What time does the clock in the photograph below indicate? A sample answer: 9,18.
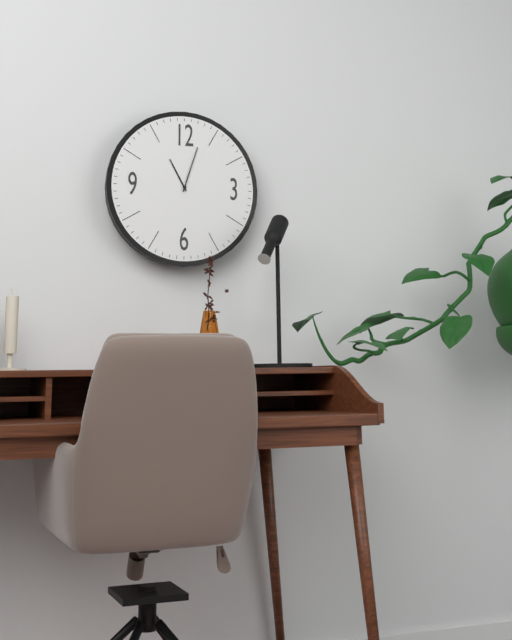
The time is 11,03
